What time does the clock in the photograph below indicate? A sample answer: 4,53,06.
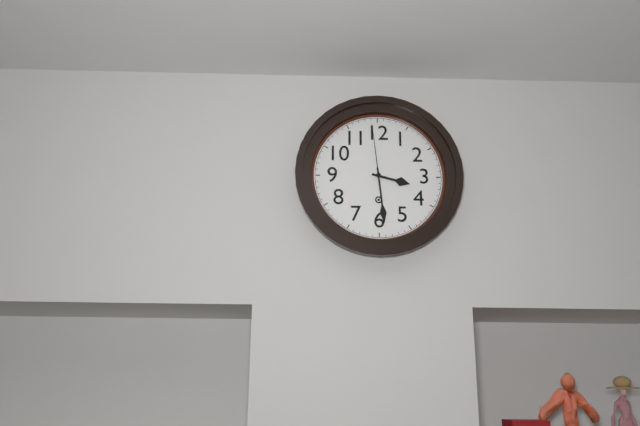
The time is 3,29,59
